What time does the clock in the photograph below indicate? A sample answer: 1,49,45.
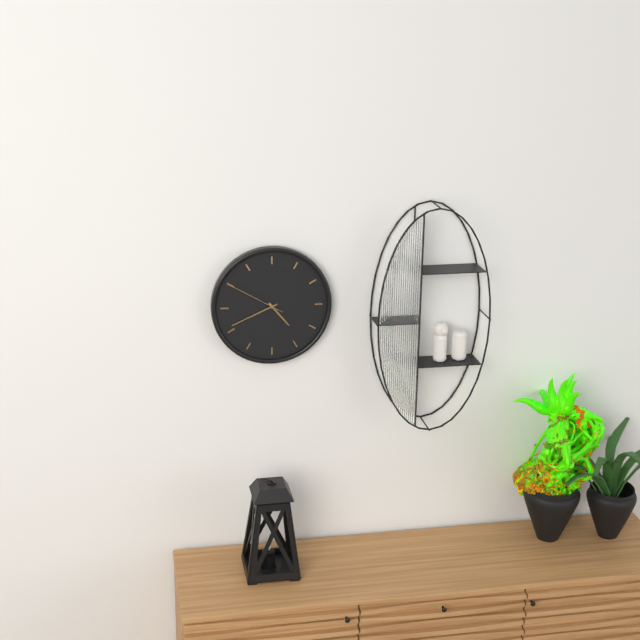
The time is 4,41,50
